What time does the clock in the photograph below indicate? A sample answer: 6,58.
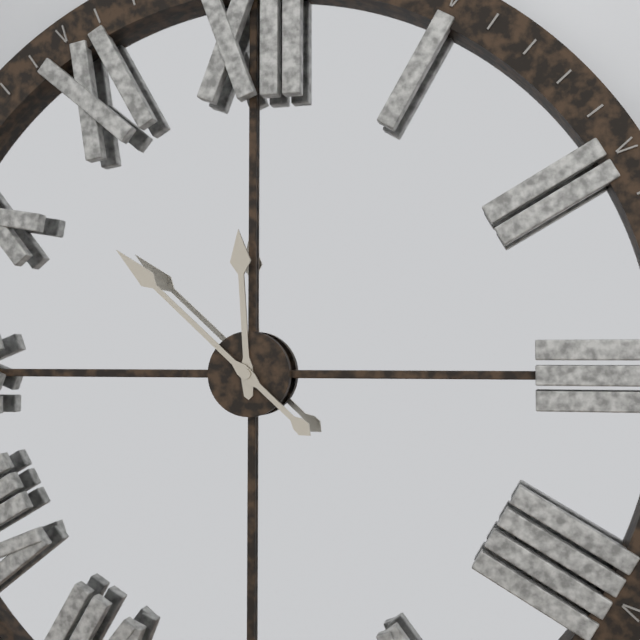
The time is 11,52
